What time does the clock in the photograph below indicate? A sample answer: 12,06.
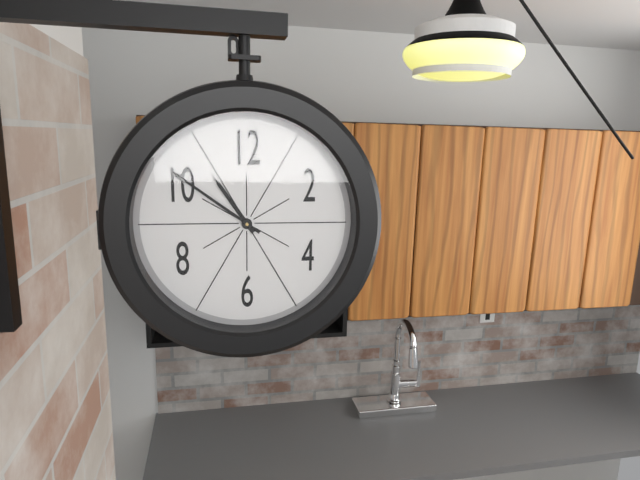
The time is 10,51
